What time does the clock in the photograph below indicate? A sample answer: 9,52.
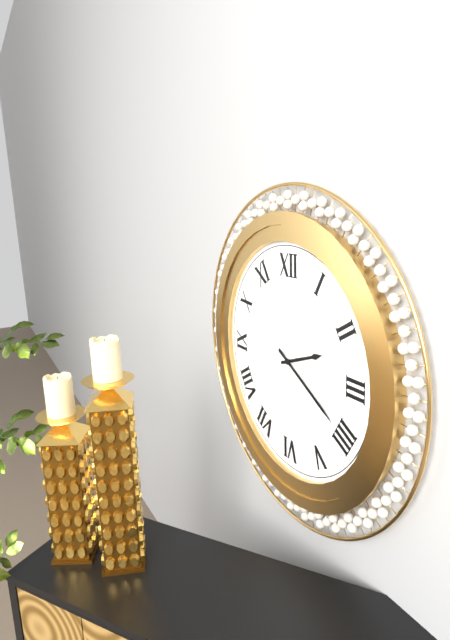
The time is 2,20
